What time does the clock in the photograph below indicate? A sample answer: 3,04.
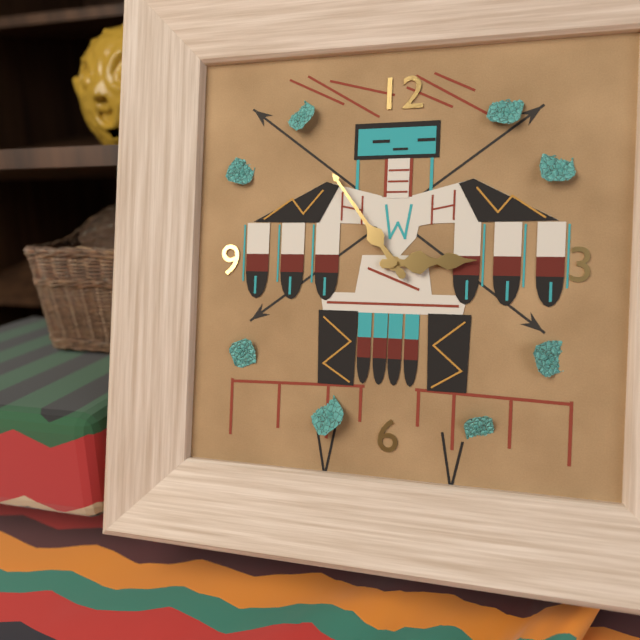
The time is 2,54
